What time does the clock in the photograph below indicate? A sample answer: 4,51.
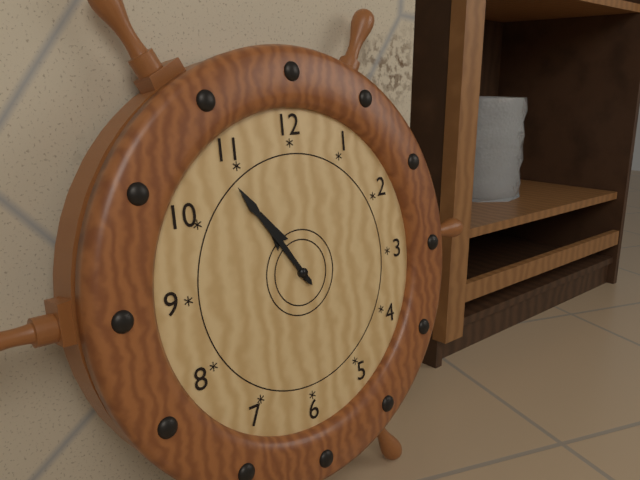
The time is 10,54
